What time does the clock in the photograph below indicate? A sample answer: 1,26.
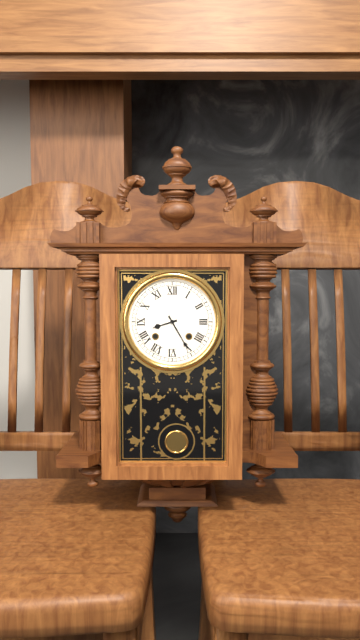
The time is 8,25
